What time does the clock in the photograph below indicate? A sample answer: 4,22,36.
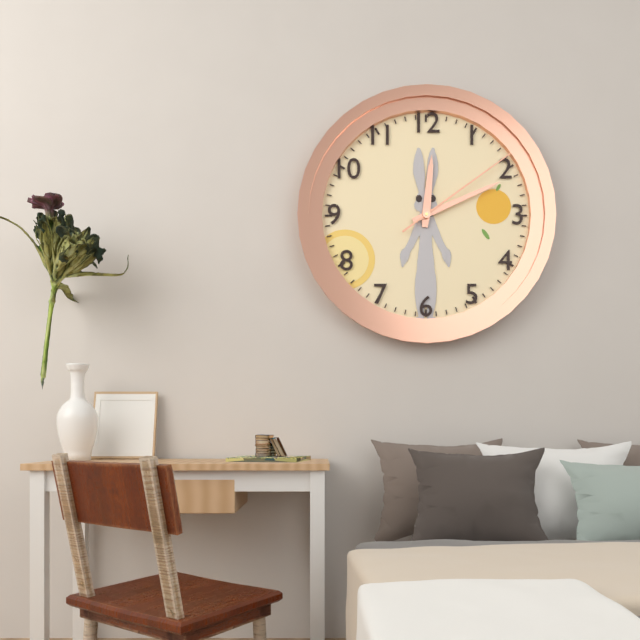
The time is 12,11,09
